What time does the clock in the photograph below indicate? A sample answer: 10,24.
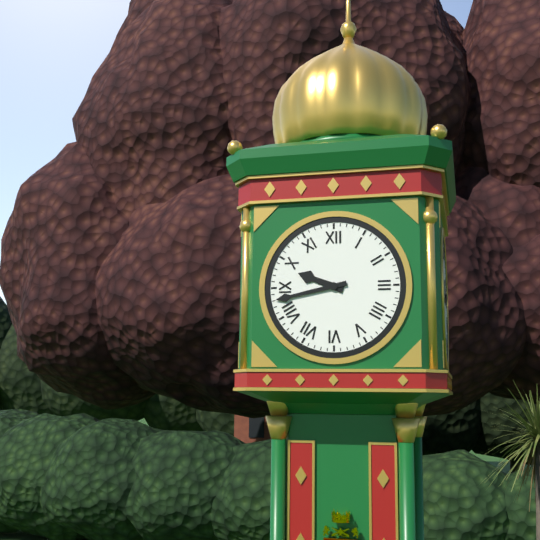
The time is 9,43
